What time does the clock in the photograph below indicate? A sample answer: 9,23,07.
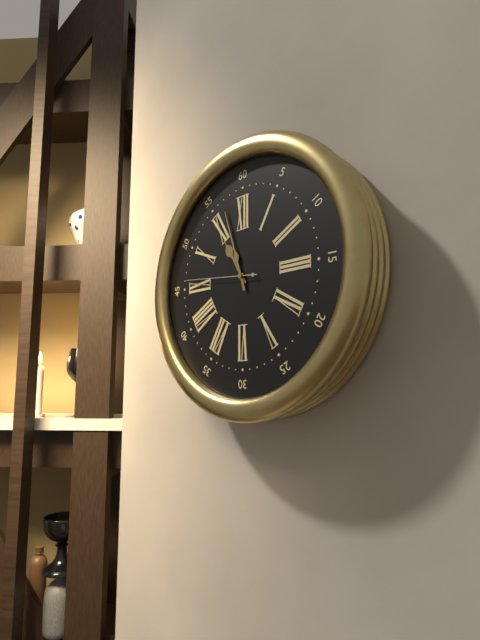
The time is 10,57,46
